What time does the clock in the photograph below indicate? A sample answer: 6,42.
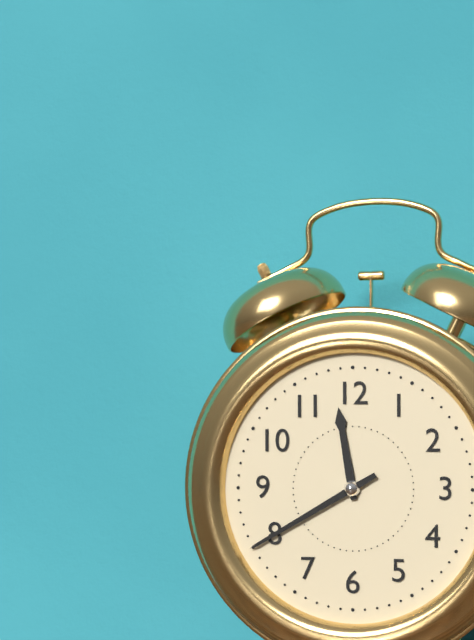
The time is 11,40
